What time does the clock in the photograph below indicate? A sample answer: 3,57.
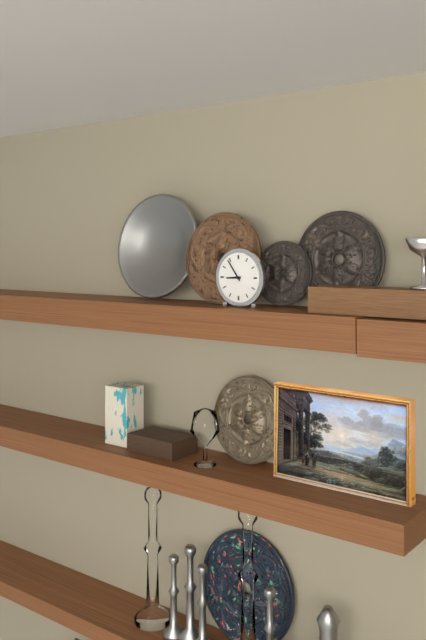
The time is 8,54
